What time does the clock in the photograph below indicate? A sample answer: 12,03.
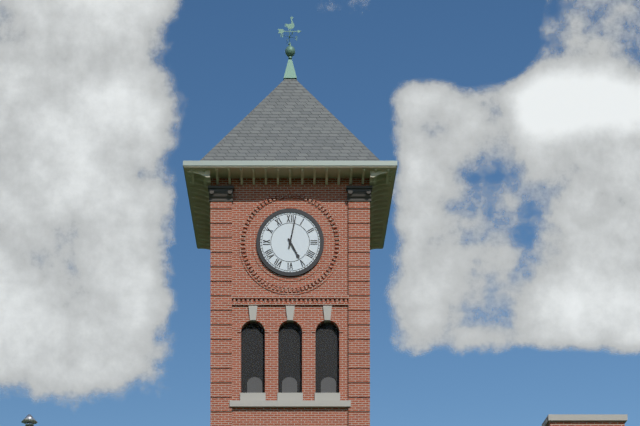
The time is 5,02
